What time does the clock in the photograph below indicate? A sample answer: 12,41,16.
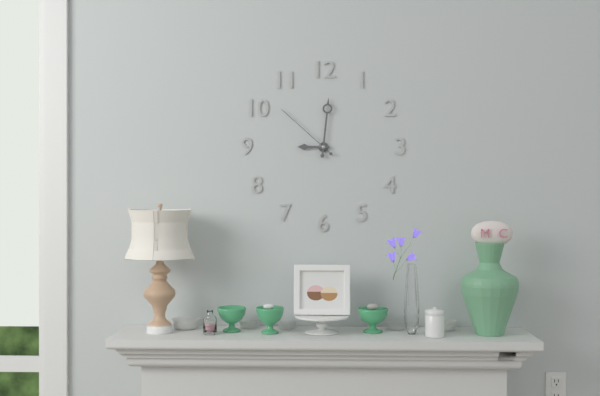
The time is 9,01,52
